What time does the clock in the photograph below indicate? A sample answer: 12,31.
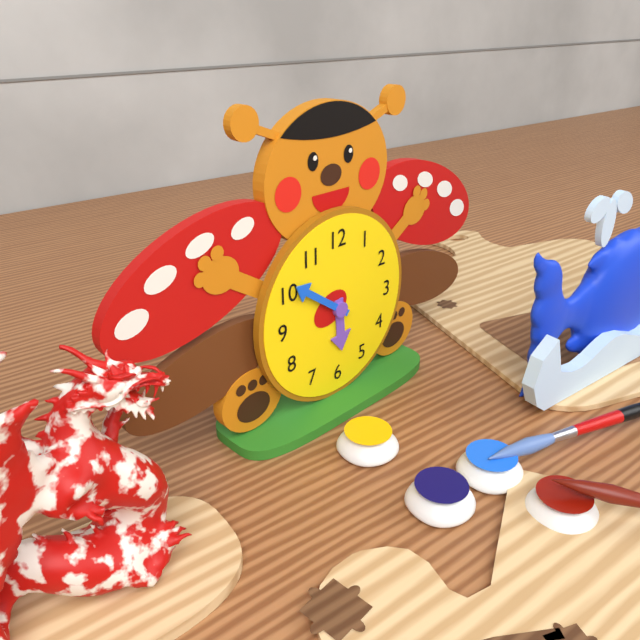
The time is 5,51
